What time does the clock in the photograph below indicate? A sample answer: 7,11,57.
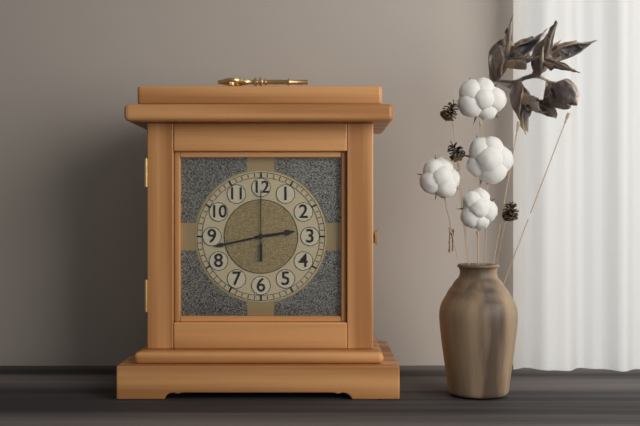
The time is 2,43,00
